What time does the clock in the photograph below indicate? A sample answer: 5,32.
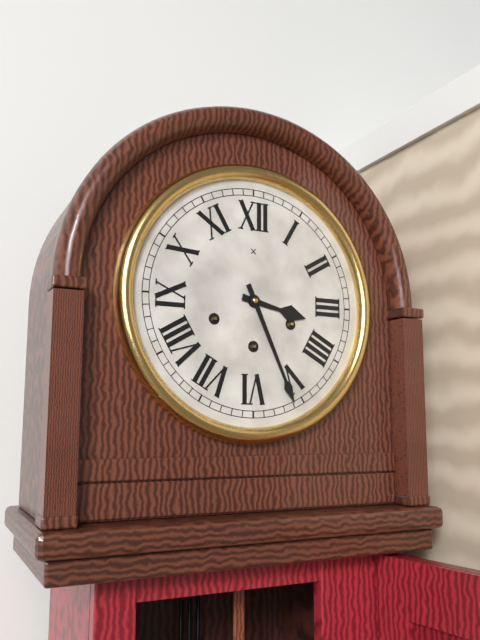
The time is 3,26
